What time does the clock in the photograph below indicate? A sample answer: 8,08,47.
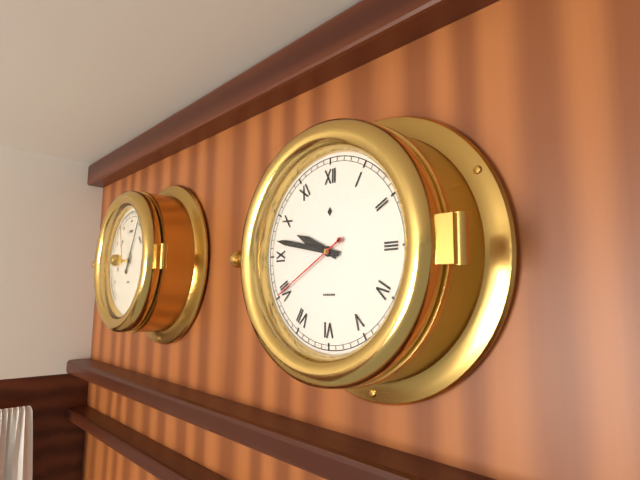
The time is 9,47,40
